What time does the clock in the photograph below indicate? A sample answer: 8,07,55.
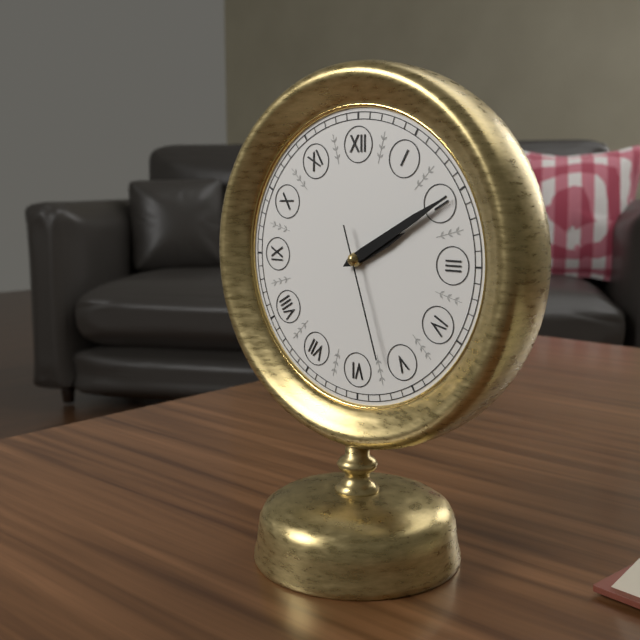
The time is 2,10,27
